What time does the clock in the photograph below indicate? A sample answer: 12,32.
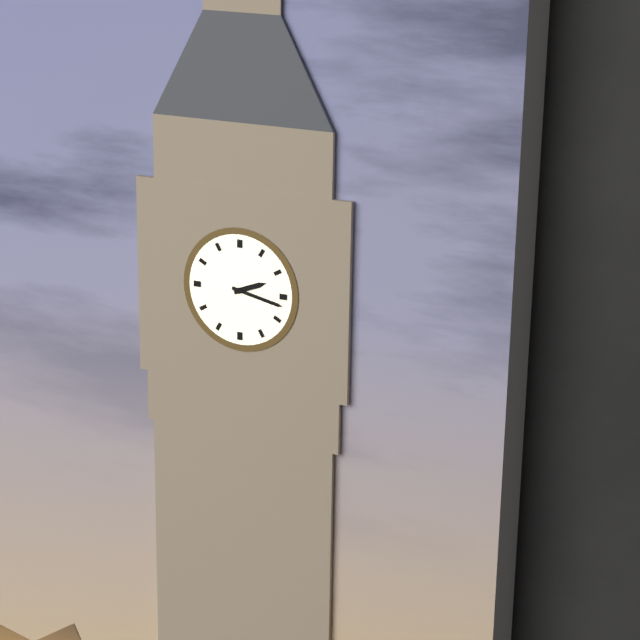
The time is 2,17
